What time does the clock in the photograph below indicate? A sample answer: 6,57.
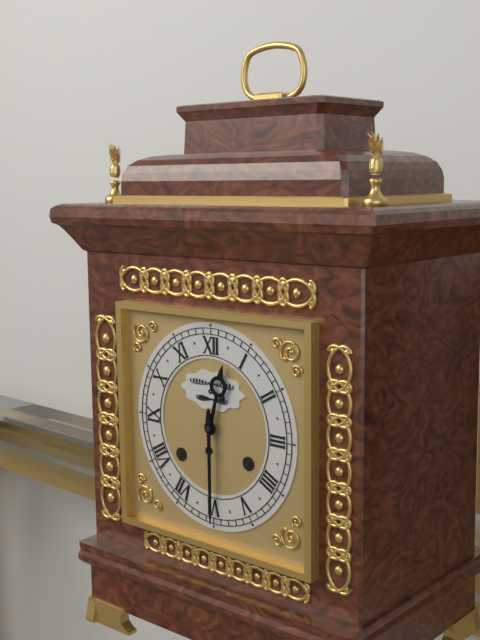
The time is 12,30
